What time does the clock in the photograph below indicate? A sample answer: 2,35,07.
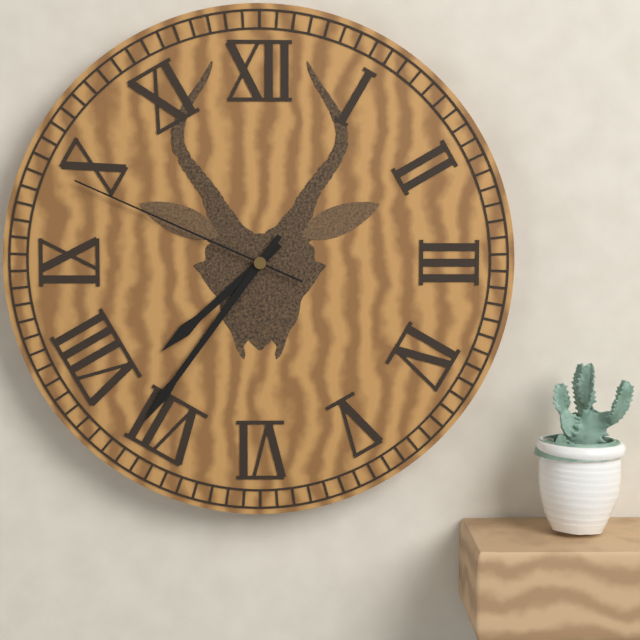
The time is 7,36,49
